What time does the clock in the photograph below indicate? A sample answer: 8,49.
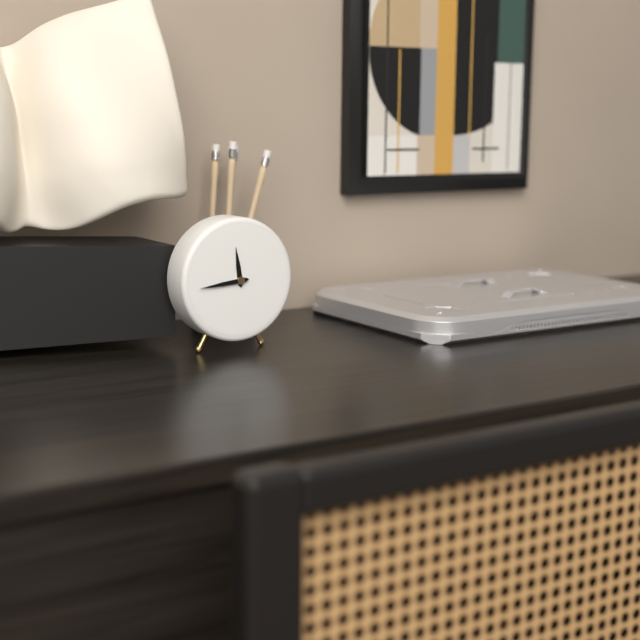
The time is 11,44
